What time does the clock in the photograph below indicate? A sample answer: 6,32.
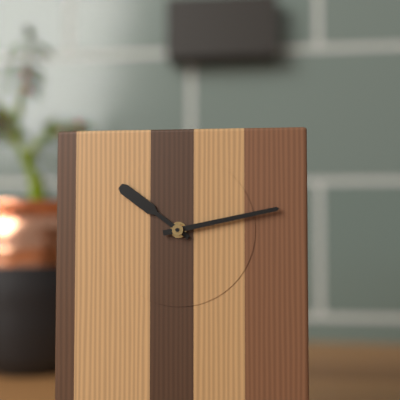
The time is 10,13
